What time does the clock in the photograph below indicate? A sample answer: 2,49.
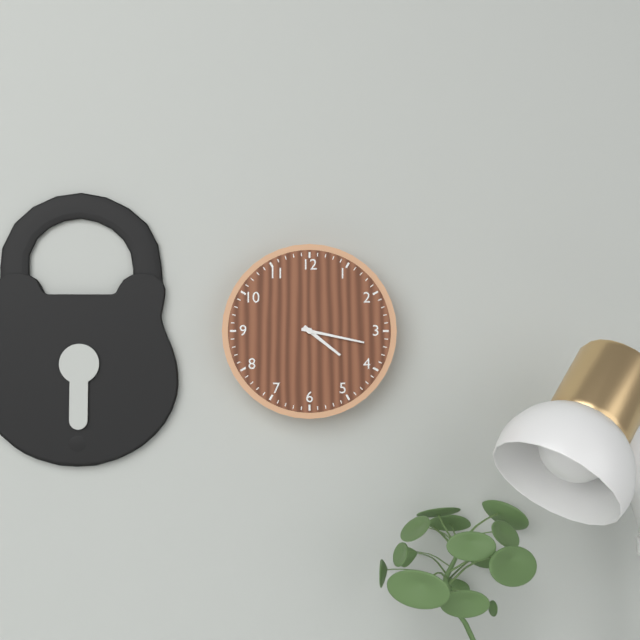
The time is 4,17
